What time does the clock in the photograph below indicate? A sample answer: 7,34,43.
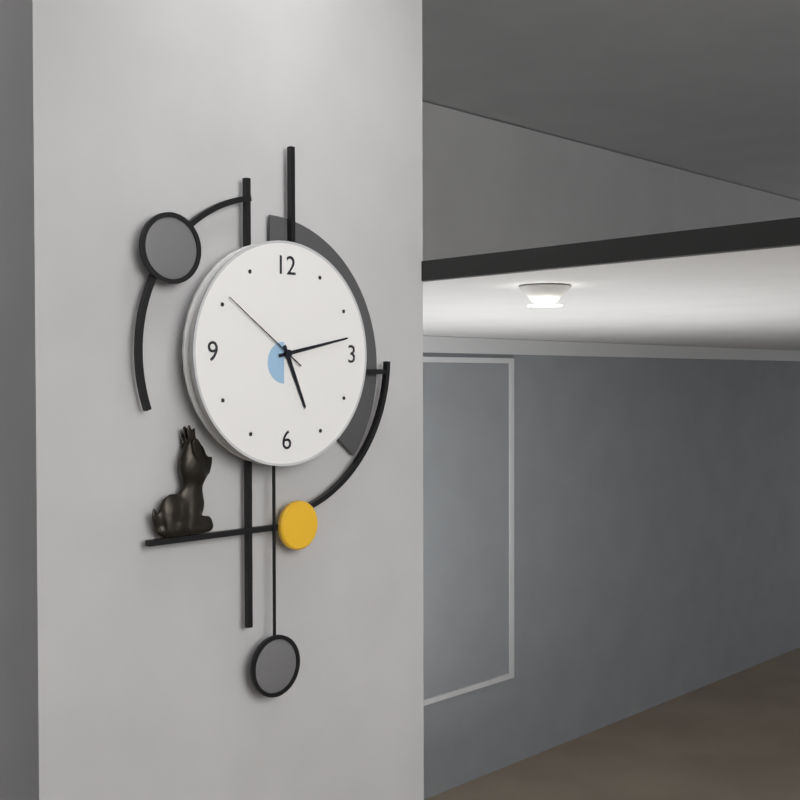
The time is 5,13,51
